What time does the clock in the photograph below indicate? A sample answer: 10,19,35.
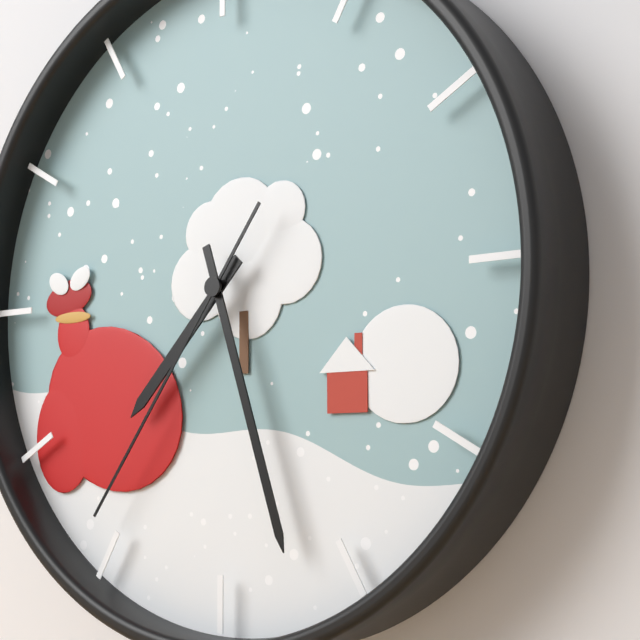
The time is 7,27,36
